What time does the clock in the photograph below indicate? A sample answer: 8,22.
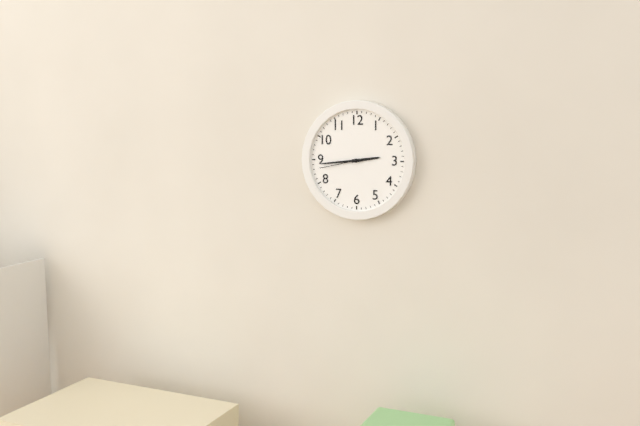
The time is 2,44
